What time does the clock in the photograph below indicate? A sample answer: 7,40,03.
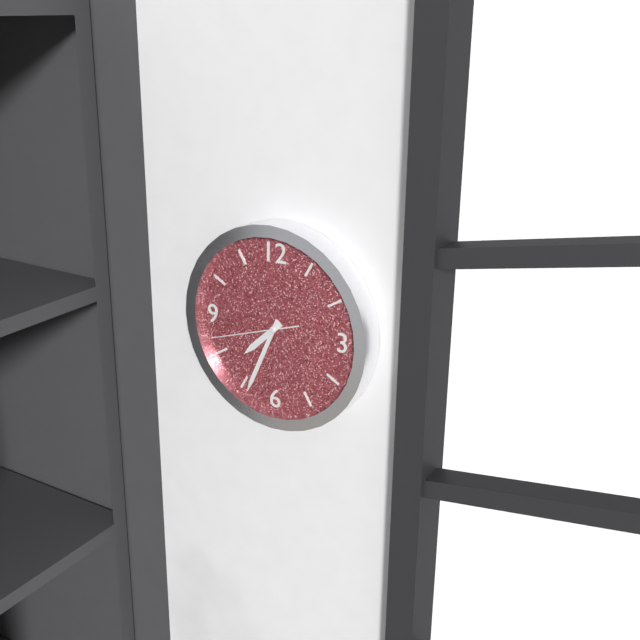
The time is 7,34,42
